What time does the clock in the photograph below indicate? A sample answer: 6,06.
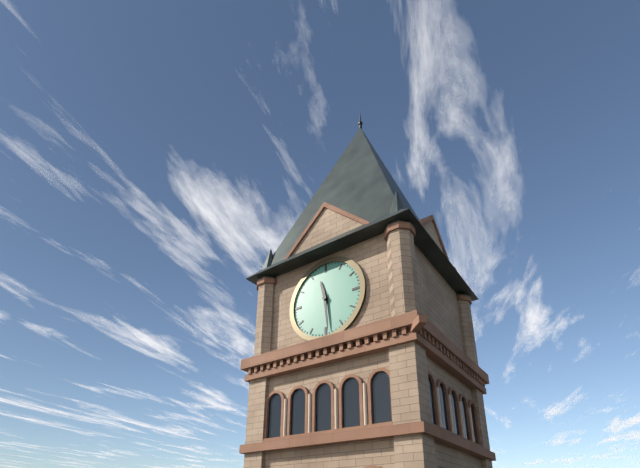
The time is 11,29
